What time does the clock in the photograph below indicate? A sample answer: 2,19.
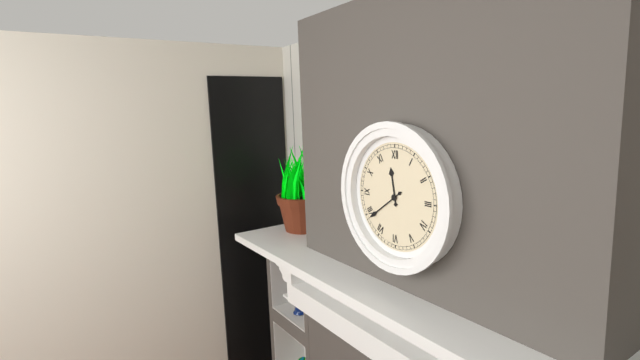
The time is 11,39
